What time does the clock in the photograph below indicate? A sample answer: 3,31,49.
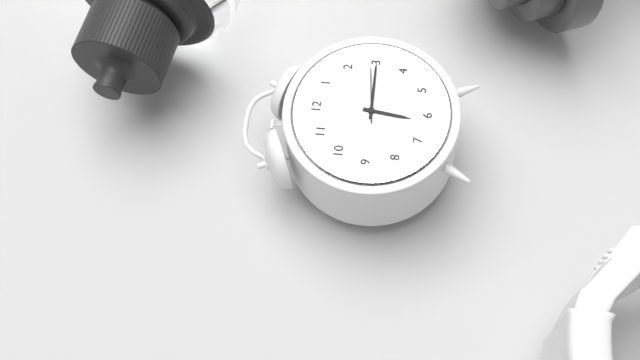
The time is 6,15,14
